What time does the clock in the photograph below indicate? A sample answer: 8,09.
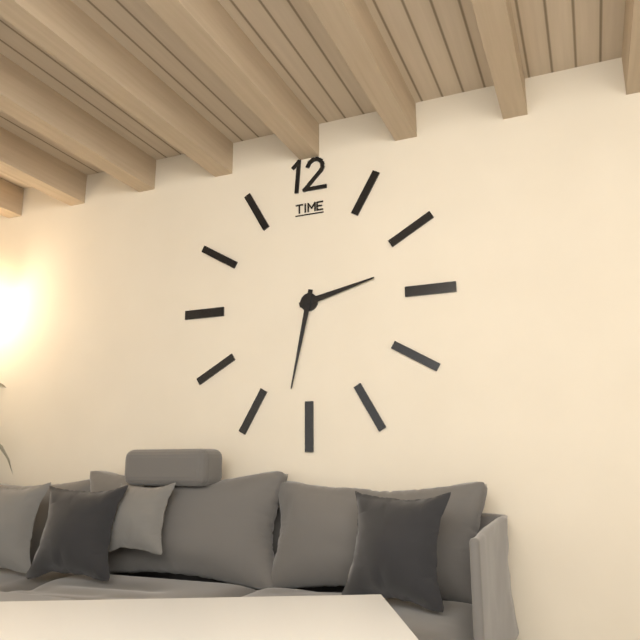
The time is 2,32
